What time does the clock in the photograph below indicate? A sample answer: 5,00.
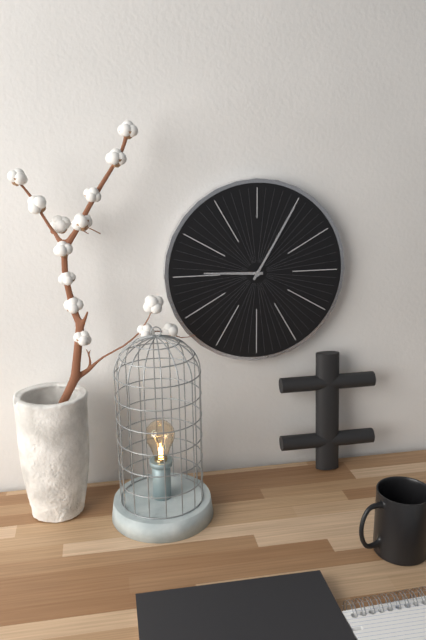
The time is 9,05
